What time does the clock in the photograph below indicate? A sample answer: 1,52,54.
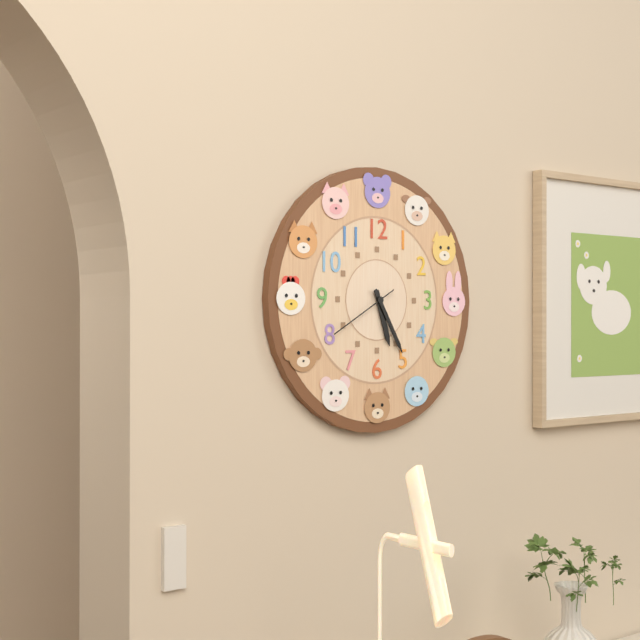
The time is 5,25,40
